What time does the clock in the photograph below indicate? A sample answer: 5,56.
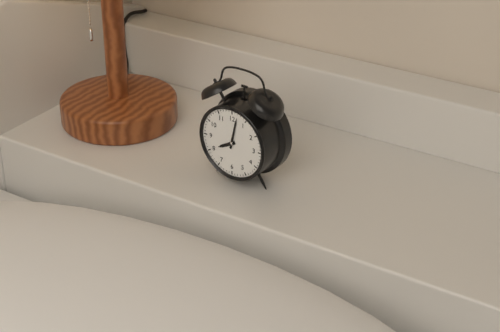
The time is 8,02
